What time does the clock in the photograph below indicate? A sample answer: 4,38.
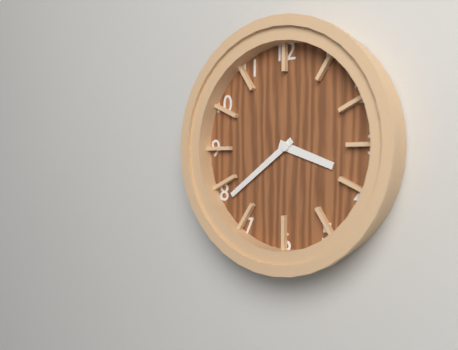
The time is 3,39
